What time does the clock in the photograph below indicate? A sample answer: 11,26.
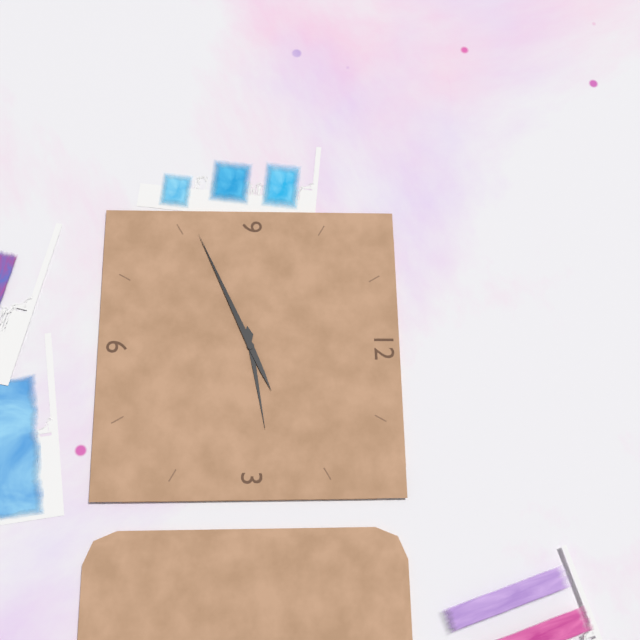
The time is 2,41
